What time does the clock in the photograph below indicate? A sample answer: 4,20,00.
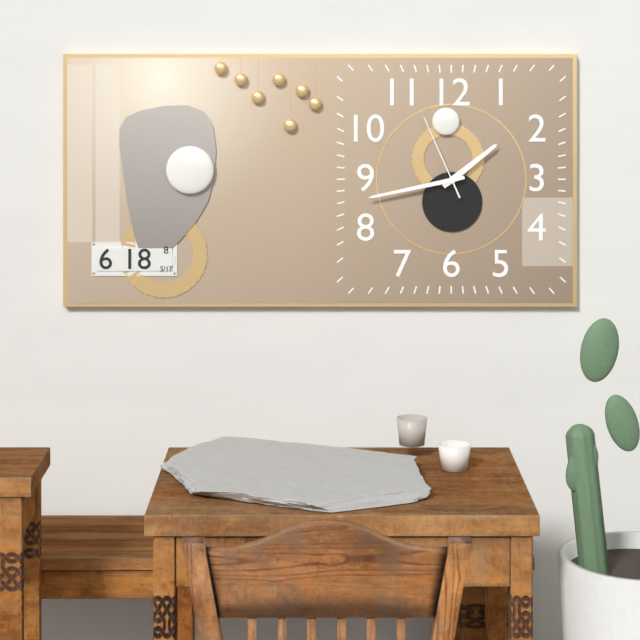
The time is 1,43,56
